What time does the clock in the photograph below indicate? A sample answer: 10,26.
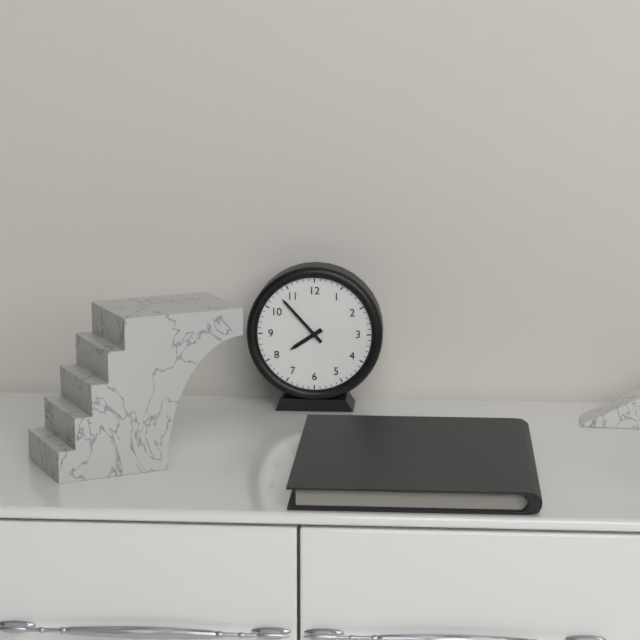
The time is 7,53
